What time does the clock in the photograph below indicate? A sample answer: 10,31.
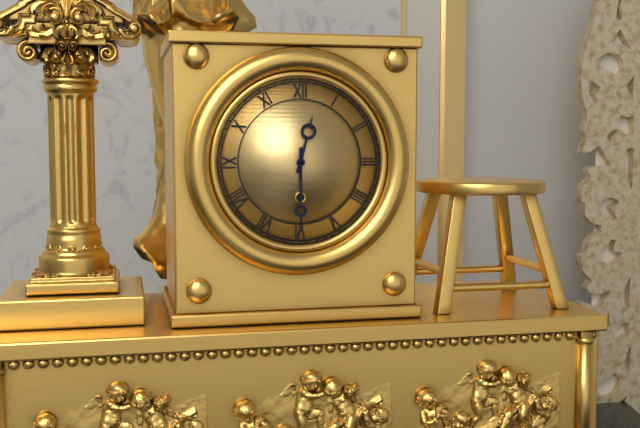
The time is 12,30
